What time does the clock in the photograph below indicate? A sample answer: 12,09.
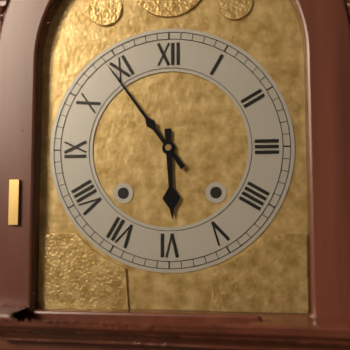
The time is 5,54
